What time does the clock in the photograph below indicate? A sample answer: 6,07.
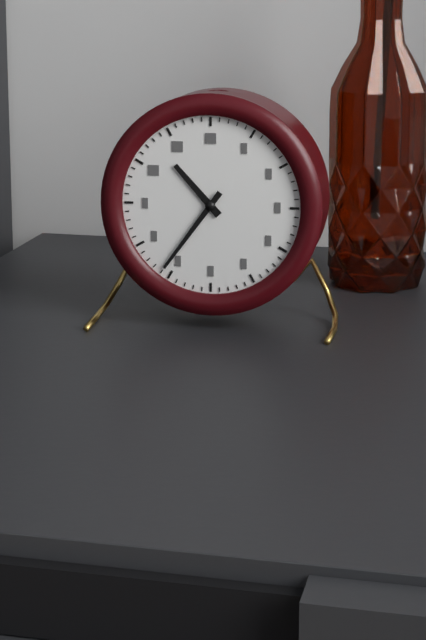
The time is 10,36
